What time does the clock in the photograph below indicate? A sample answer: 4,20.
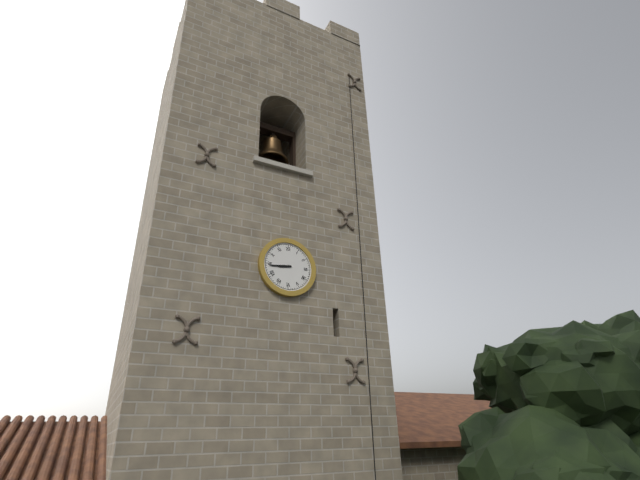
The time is 8,44
